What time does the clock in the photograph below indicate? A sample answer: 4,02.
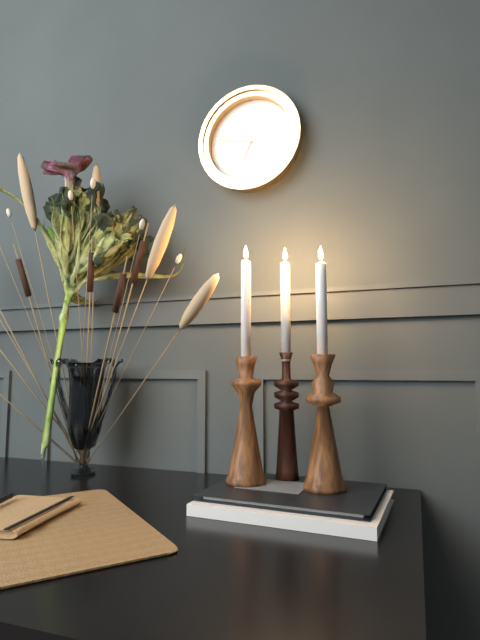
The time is 6,47
